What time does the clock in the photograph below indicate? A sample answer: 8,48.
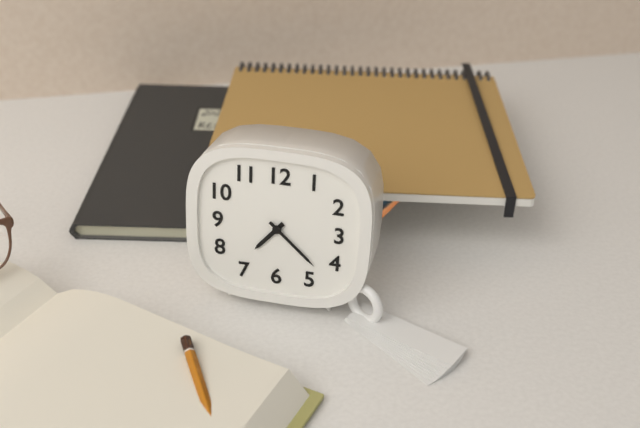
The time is 7,22
